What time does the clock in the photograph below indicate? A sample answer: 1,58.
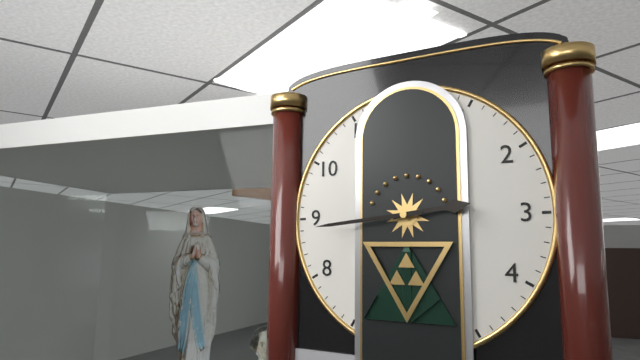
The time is 2,44
